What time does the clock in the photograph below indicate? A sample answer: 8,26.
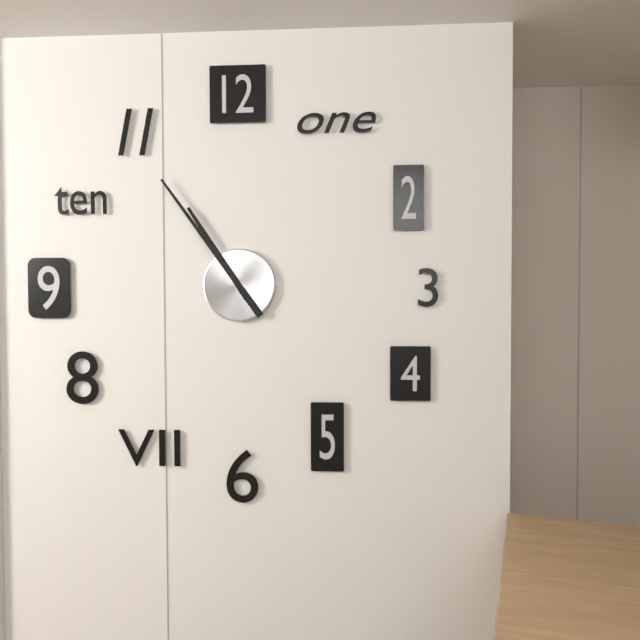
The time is 10,54
